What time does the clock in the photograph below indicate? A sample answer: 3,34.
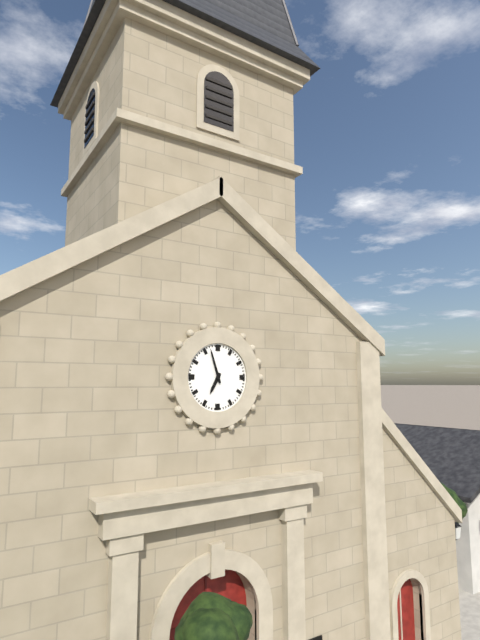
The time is 6,57
